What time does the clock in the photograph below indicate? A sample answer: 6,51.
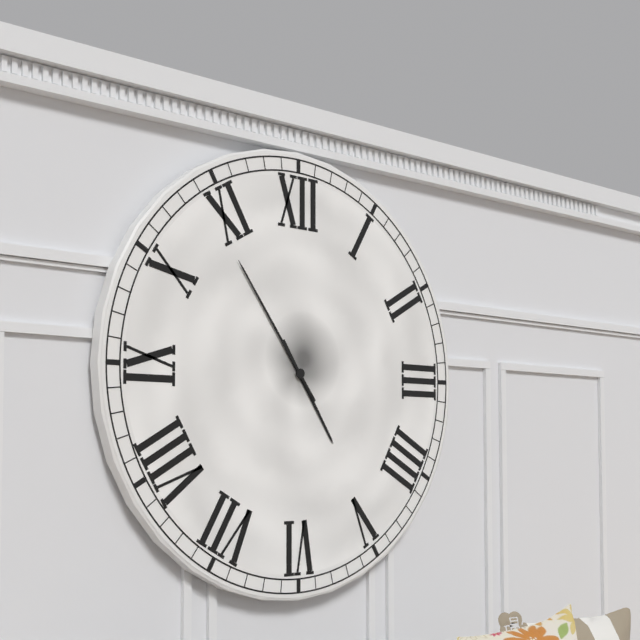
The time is 4,54
